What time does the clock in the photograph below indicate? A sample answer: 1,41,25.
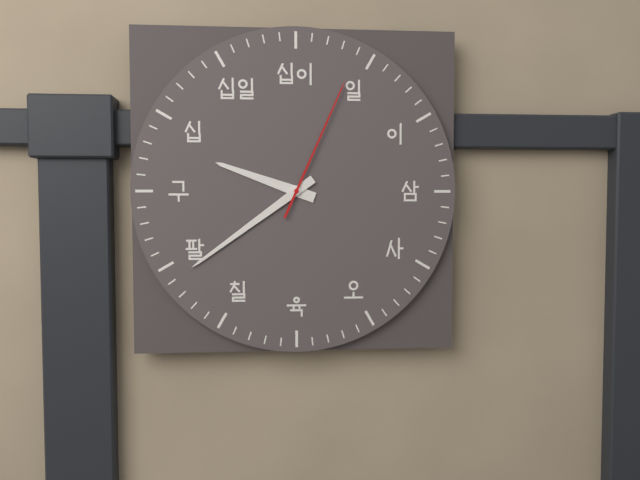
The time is 9,39,04
